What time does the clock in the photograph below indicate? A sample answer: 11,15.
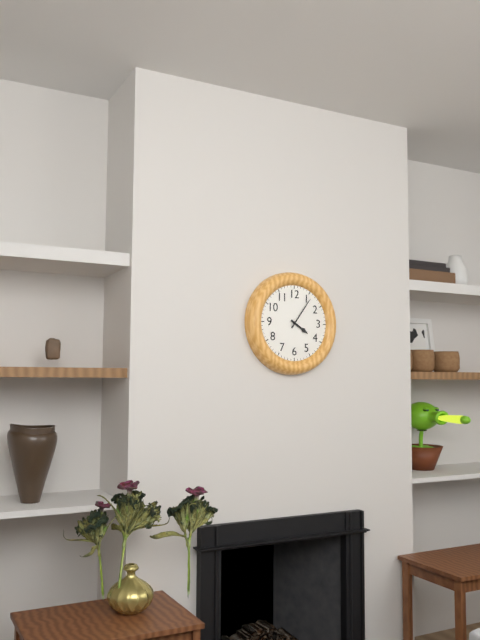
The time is 4,06
